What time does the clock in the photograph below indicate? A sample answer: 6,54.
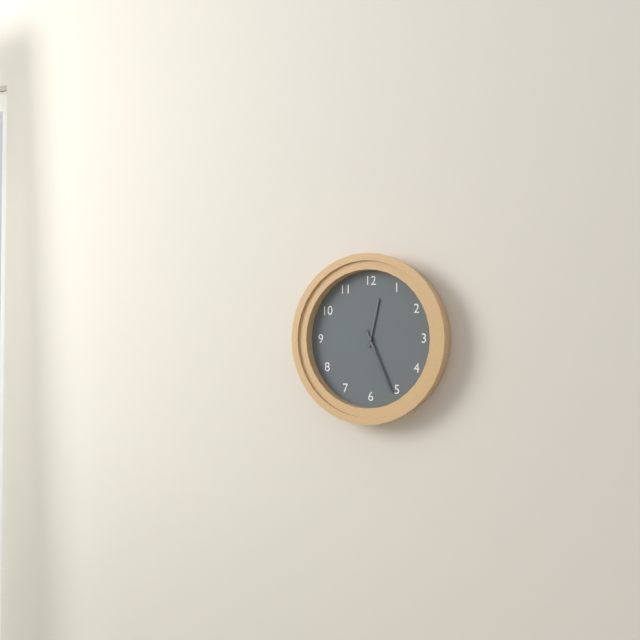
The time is 12,26
